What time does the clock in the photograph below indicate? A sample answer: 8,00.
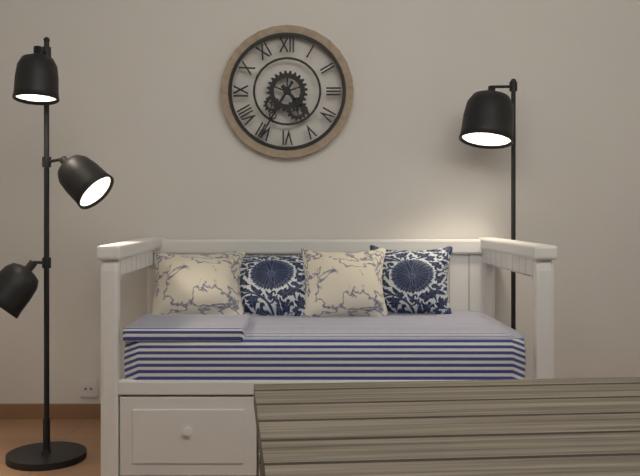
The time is 4,35
